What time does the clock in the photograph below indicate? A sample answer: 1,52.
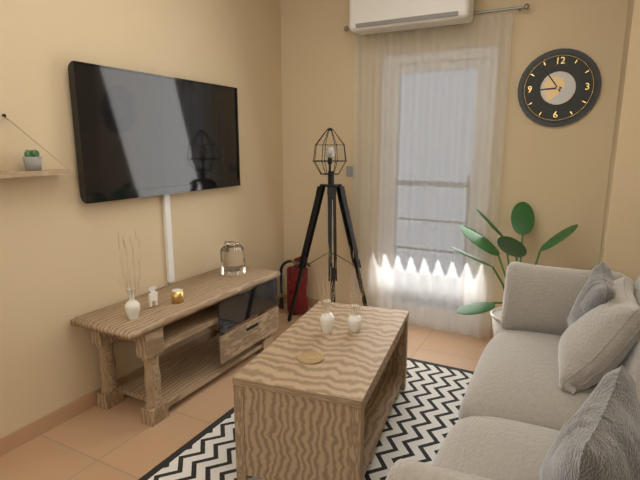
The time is 8,54
